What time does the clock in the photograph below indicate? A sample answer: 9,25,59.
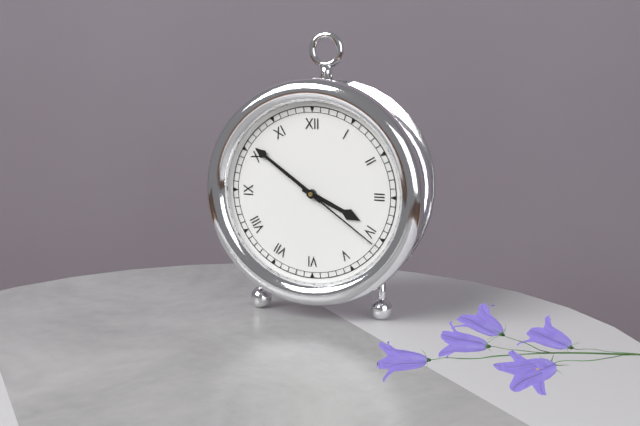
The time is 3,51,21
